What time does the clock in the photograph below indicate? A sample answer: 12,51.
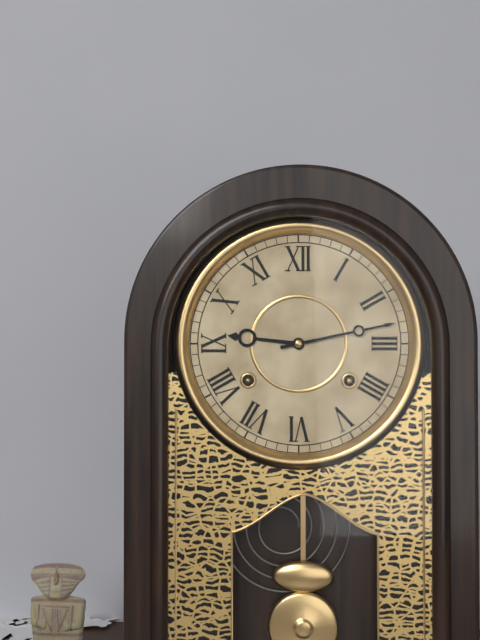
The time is 9,13
